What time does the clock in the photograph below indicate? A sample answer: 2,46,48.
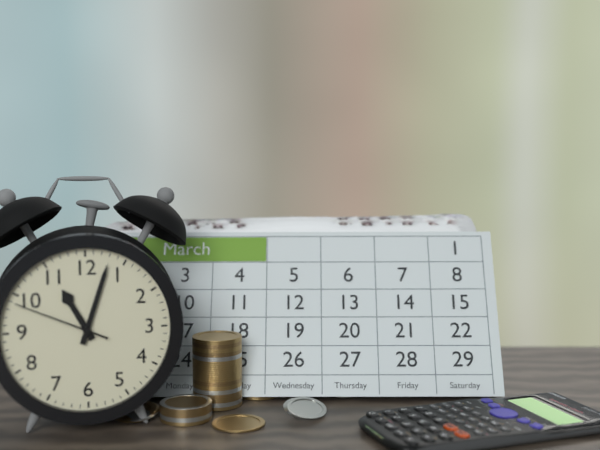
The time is 11,03,49
